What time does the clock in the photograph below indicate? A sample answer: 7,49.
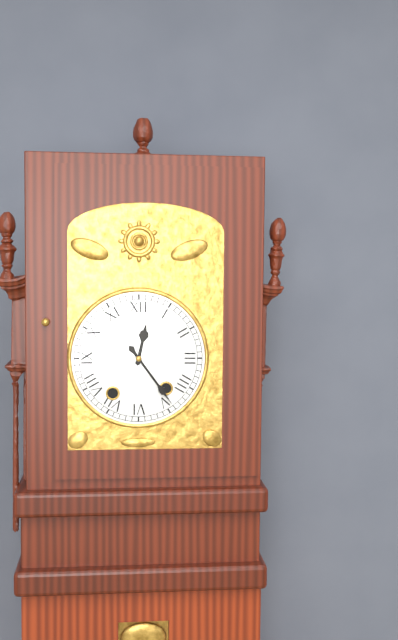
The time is 12,24
